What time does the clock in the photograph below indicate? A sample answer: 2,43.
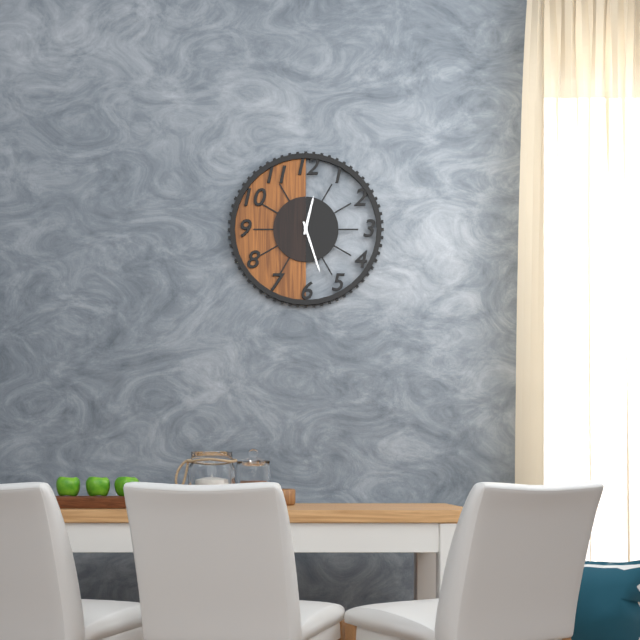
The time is 12,27
